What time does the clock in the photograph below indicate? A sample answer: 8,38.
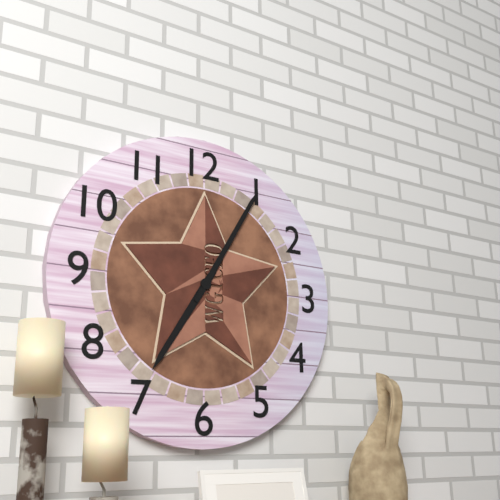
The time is 7,05
